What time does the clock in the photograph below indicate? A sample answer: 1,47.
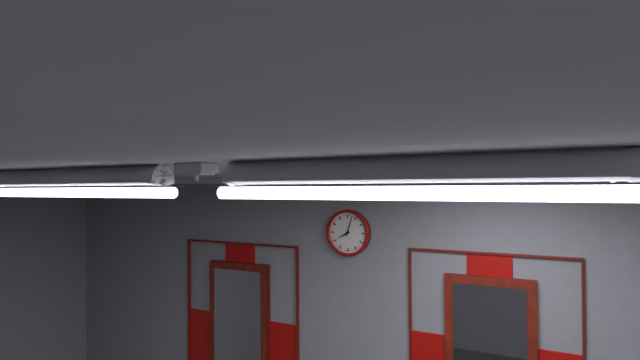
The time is 8,03
